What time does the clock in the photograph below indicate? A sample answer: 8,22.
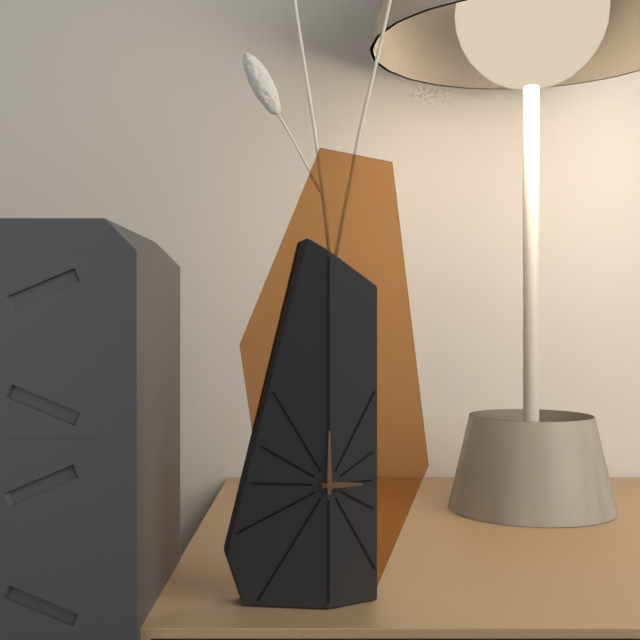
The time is 3,00
